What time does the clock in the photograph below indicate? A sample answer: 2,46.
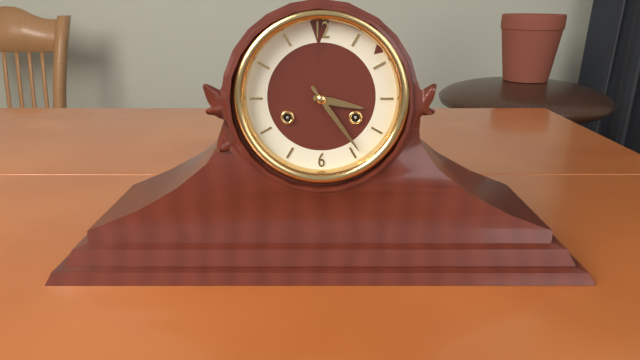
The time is 3,24
